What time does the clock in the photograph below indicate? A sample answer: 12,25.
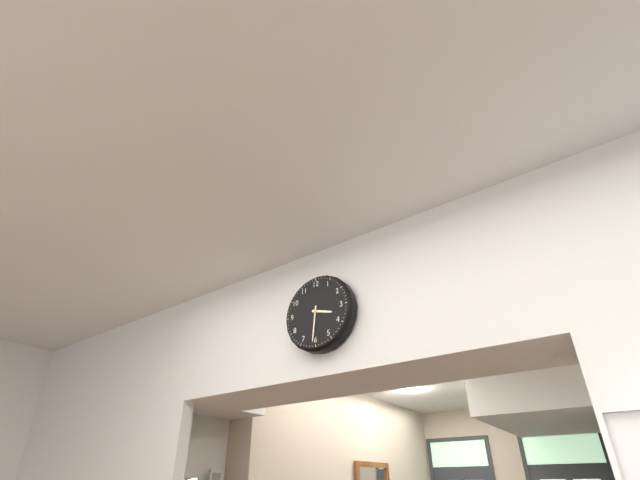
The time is 3,31
